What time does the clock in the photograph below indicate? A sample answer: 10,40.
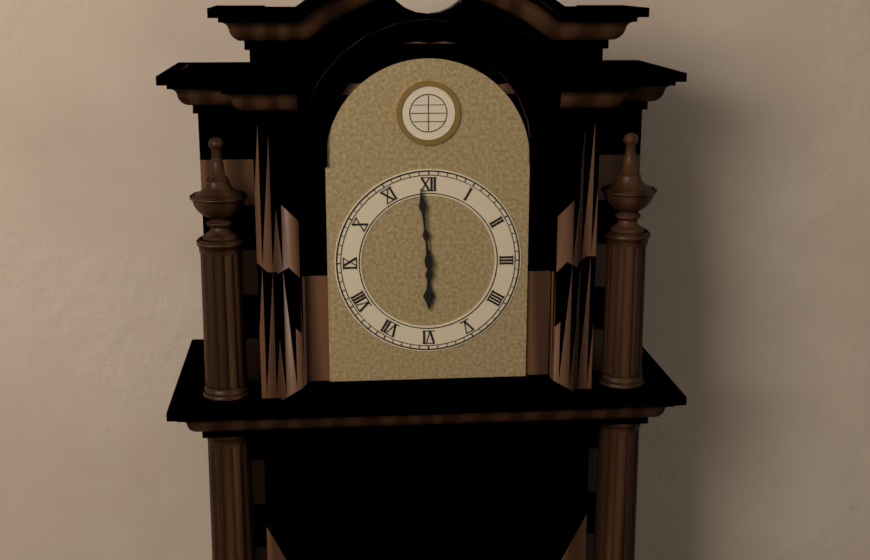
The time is 5,59
